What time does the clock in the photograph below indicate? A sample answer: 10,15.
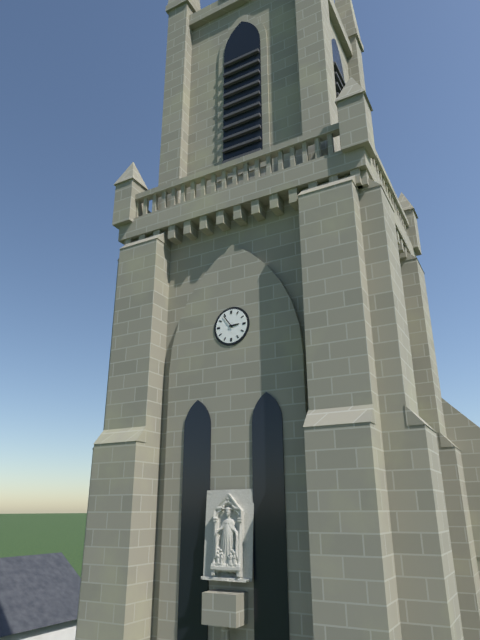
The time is 2,54
